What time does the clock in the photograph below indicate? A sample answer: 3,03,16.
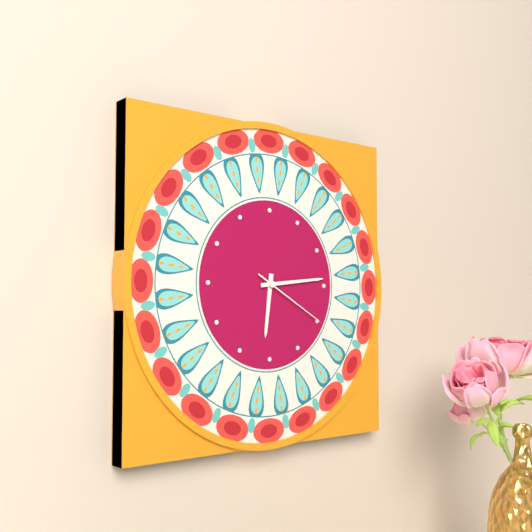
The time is 6,14,20
